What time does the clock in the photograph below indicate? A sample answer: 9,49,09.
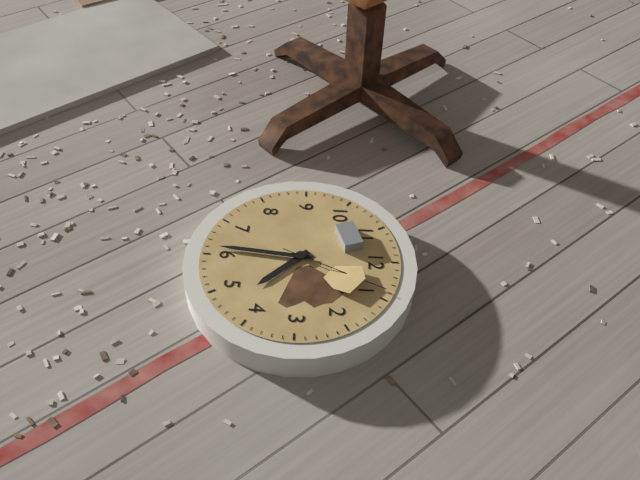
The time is 4,31,04
